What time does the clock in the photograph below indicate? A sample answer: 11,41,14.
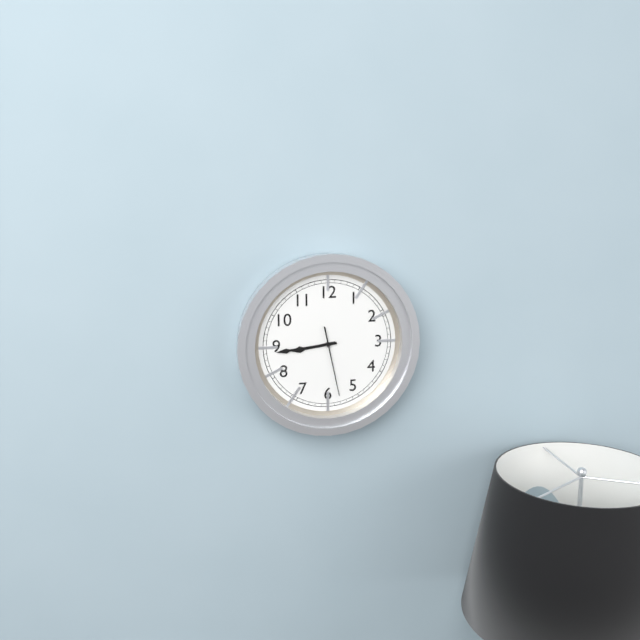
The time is 8,44,28
